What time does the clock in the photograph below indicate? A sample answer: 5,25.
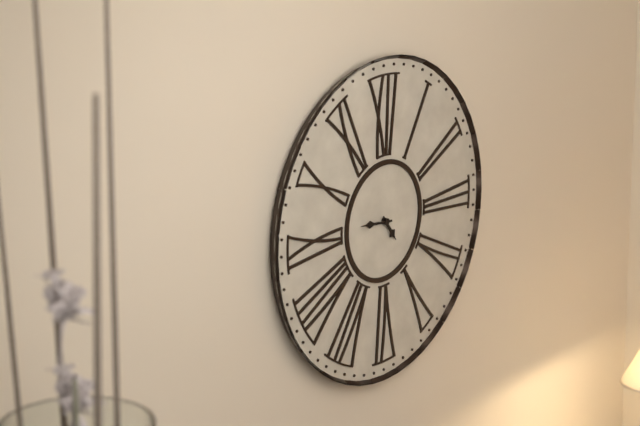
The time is 4,46
